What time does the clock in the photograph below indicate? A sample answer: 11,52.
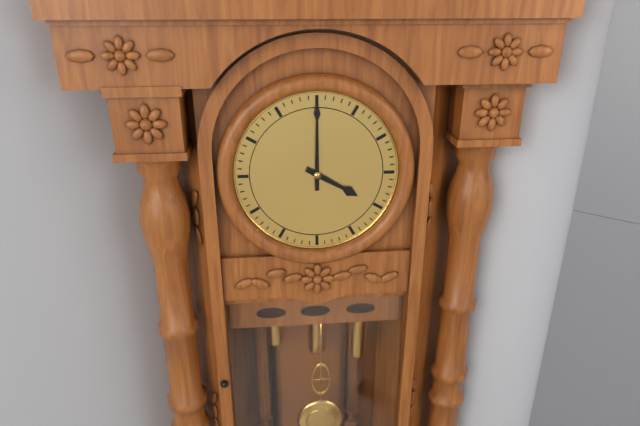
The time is 4,00
